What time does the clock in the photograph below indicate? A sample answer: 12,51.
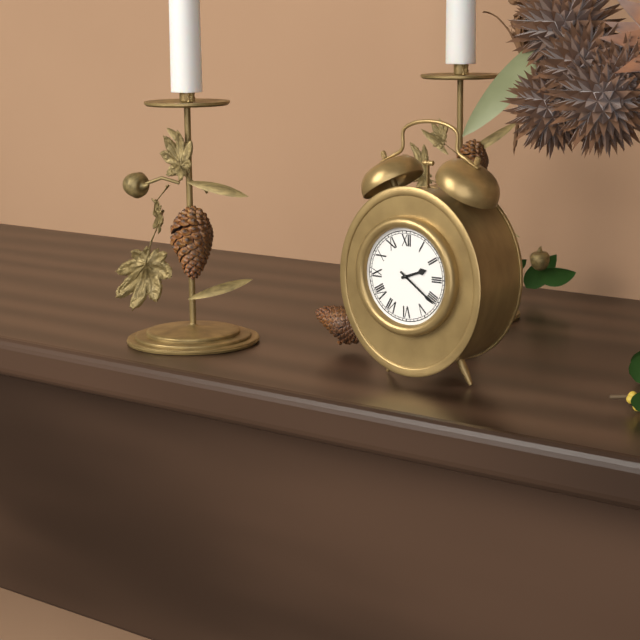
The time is 2,21
